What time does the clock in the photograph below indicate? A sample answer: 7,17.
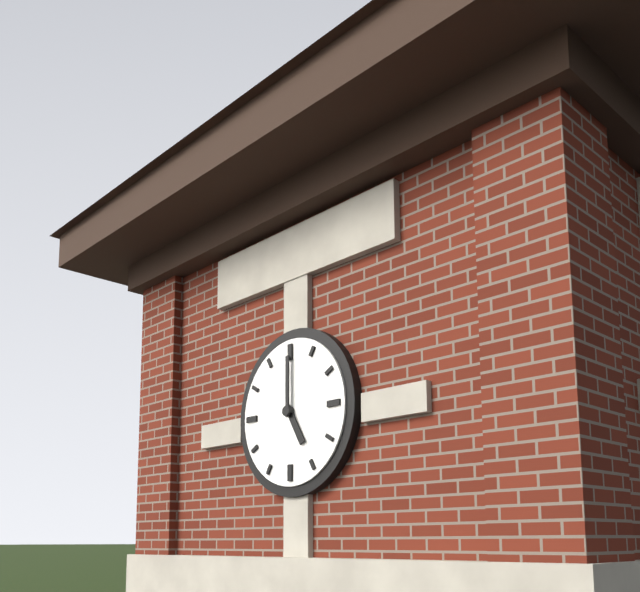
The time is 5,00
